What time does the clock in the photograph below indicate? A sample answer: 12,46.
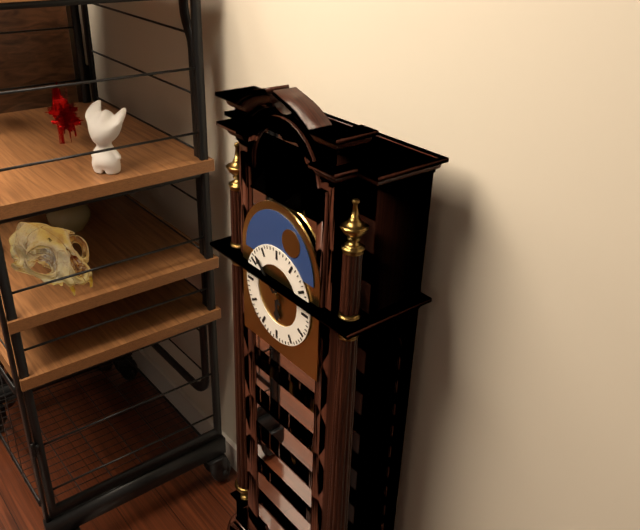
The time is 5,52
